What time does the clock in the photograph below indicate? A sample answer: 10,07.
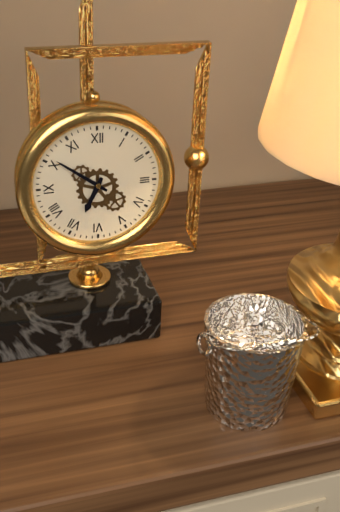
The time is 6,51
